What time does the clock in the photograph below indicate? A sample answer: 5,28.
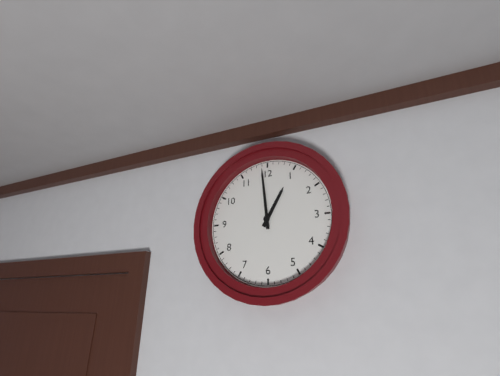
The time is 12,59
